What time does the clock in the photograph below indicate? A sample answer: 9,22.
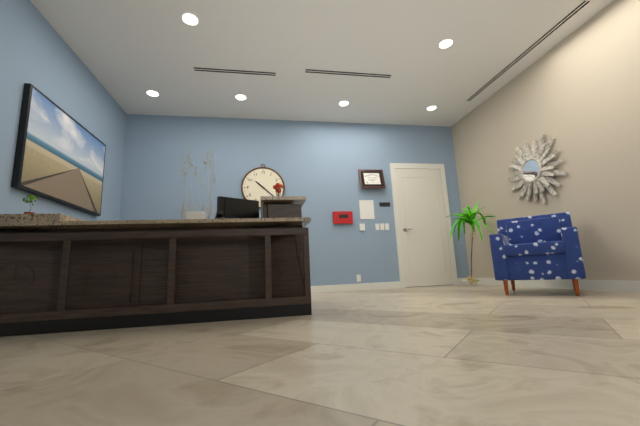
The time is 10,22
